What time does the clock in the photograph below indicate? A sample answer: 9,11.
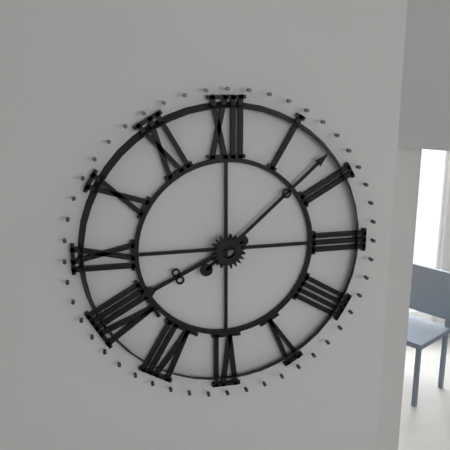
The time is 8,08
